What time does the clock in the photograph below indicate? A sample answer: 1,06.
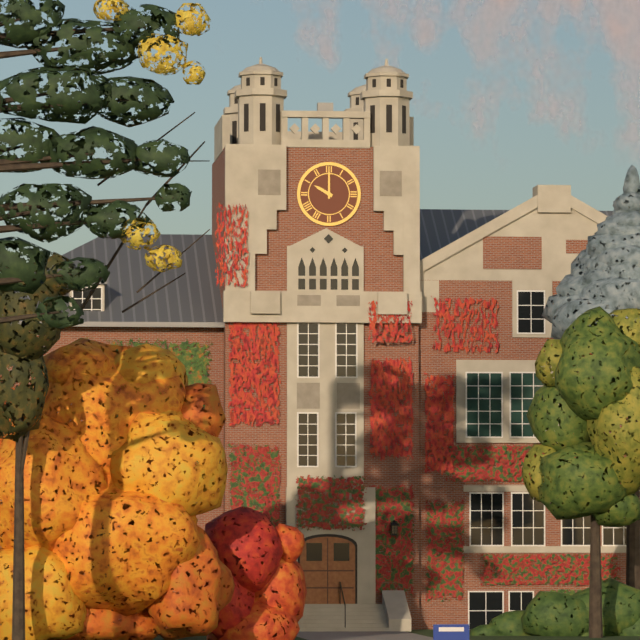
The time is 10,00
